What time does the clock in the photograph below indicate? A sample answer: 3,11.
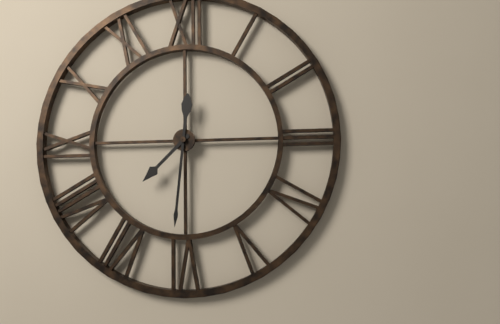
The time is 7,31
